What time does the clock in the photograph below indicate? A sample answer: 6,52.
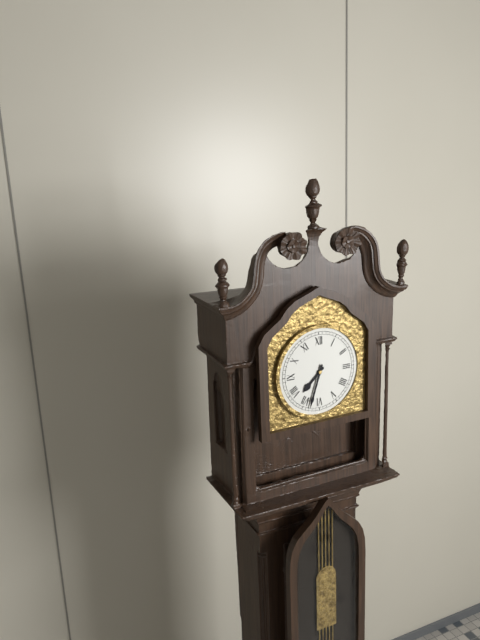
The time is 7,33
